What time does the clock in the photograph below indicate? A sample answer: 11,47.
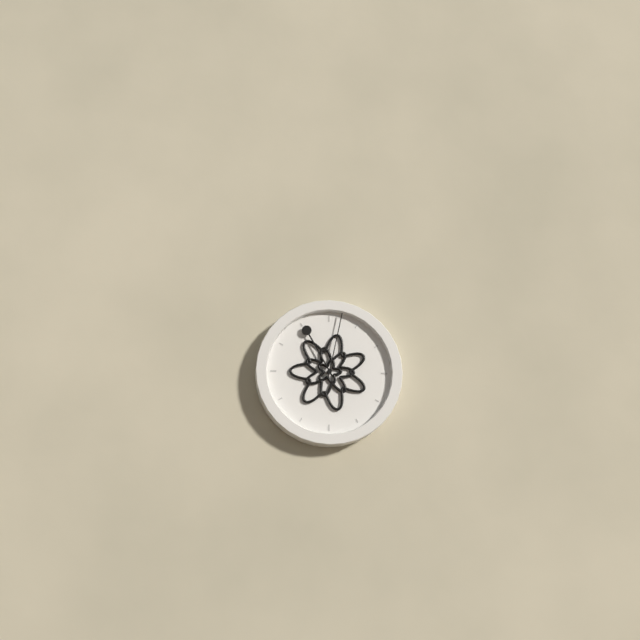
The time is 11,02
